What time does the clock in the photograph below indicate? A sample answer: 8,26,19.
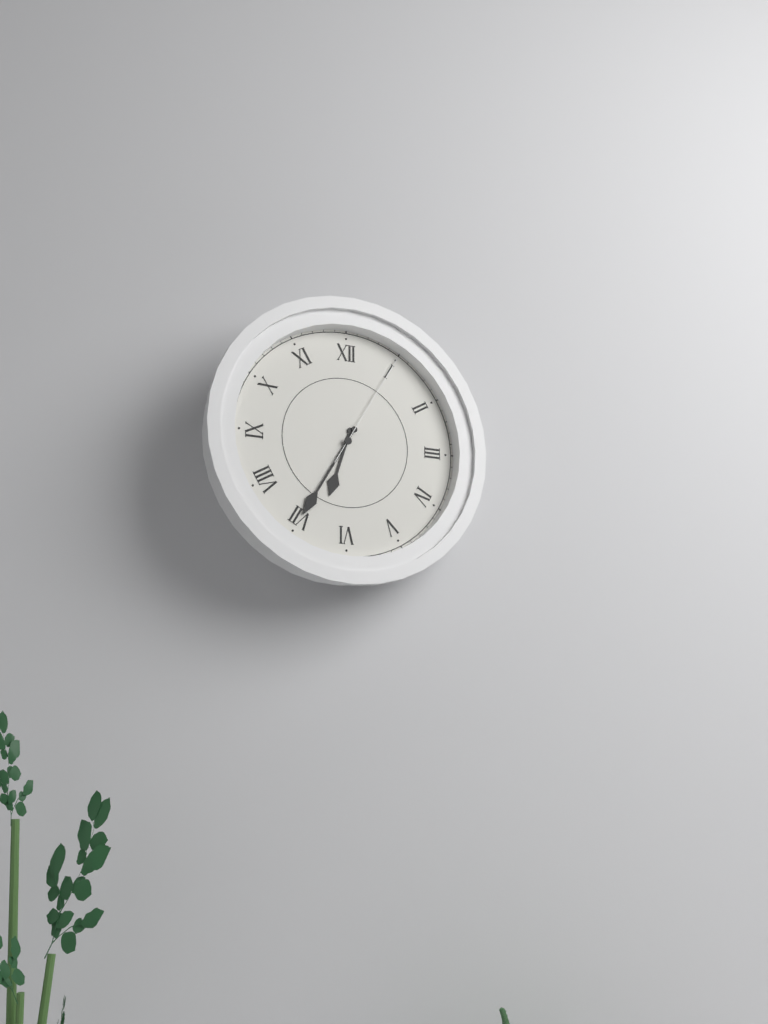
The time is 6,35,05
